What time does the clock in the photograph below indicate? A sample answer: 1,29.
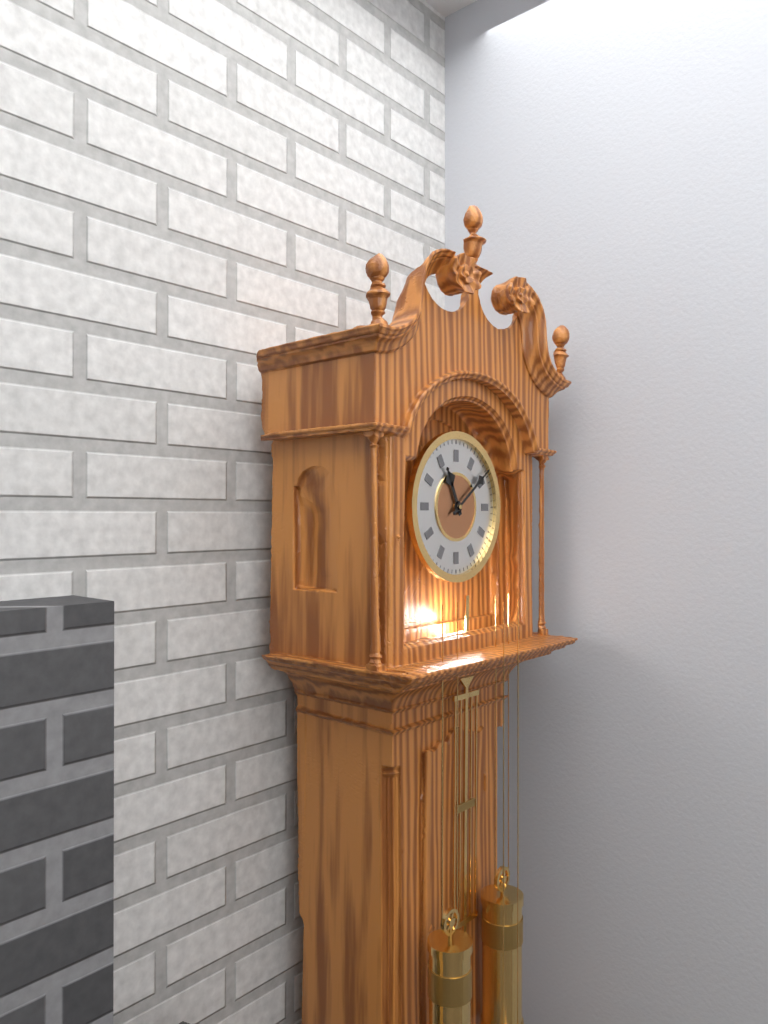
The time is 11,09
